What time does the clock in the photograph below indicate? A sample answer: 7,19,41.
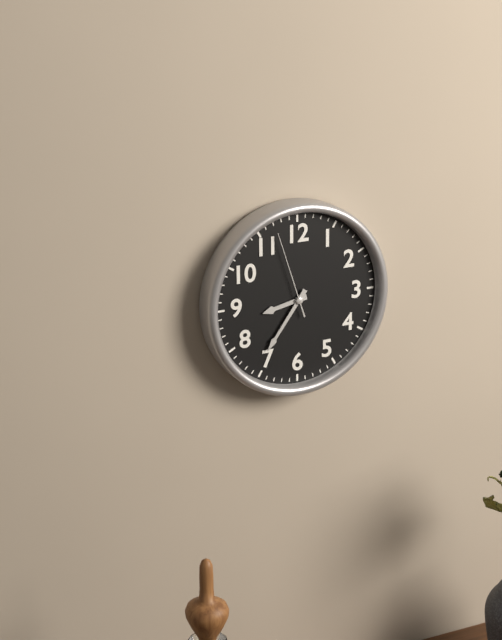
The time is 8,36,57
